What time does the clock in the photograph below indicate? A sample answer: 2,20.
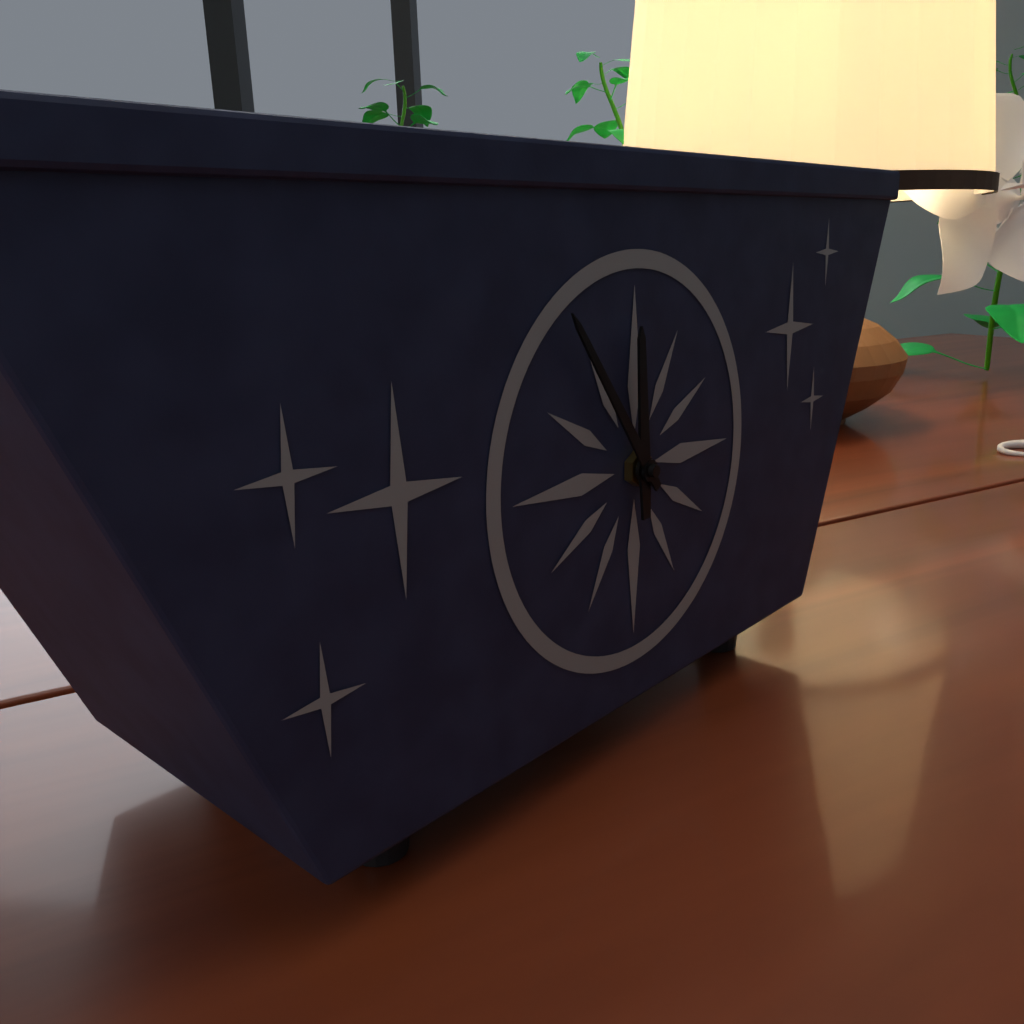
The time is 11,54
